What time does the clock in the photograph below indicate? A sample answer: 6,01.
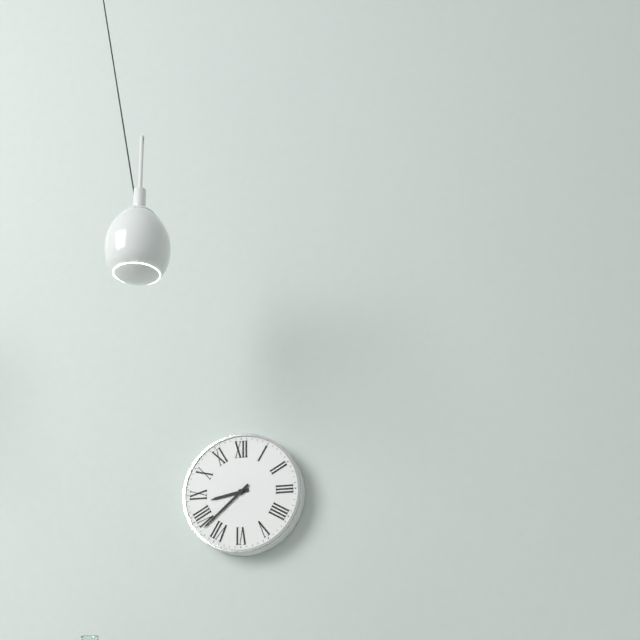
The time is 8,38
